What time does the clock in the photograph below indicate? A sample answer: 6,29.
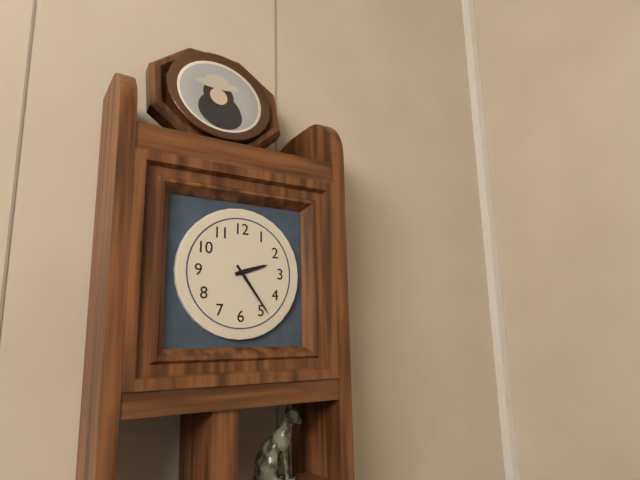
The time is 2,24
